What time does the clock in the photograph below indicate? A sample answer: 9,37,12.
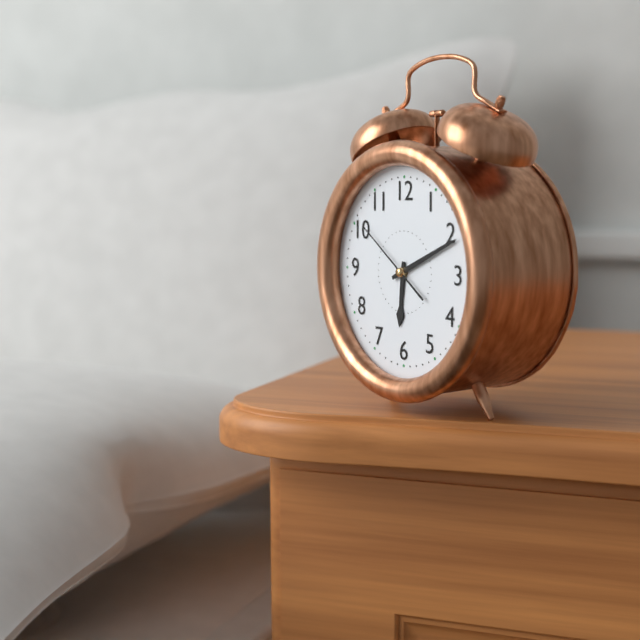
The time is 6,11,51
